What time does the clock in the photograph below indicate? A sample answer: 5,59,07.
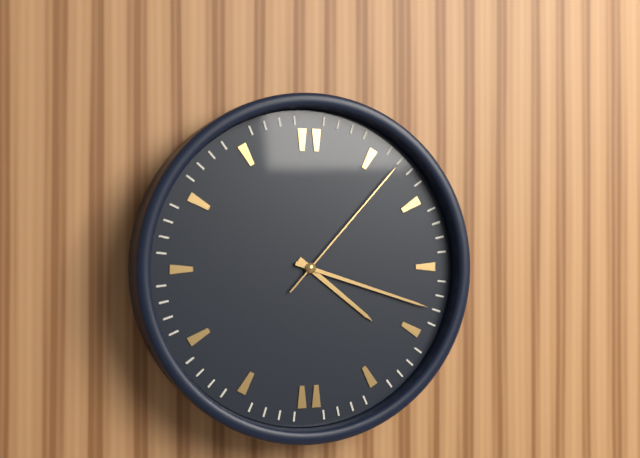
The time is 4,18,07
